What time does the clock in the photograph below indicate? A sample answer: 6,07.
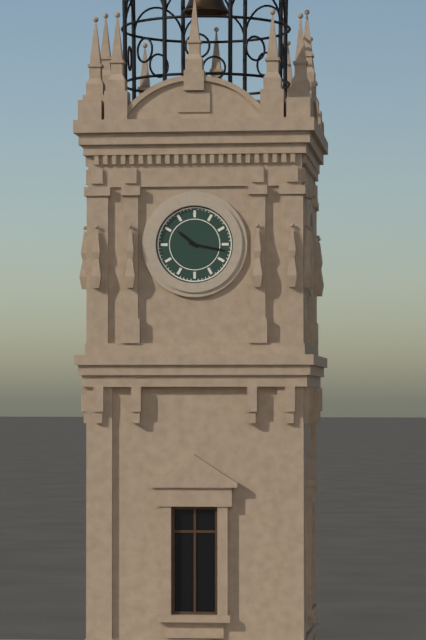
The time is 10,17
